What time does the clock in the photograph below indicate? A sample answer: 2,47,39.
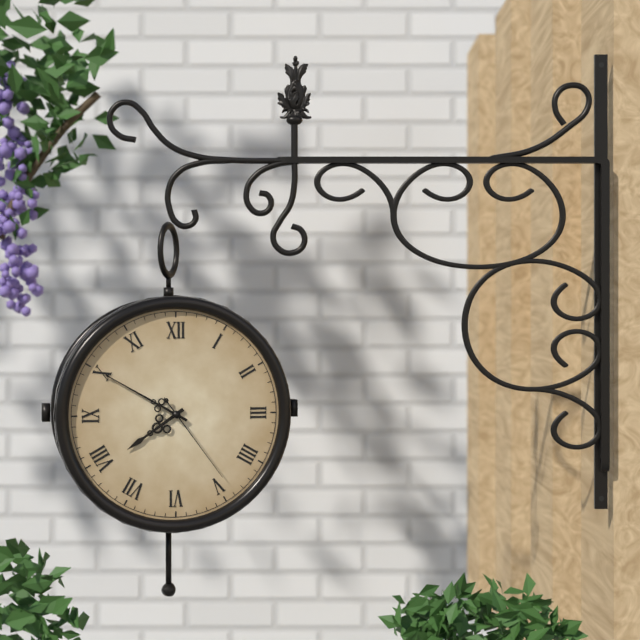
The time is 7,50,24
